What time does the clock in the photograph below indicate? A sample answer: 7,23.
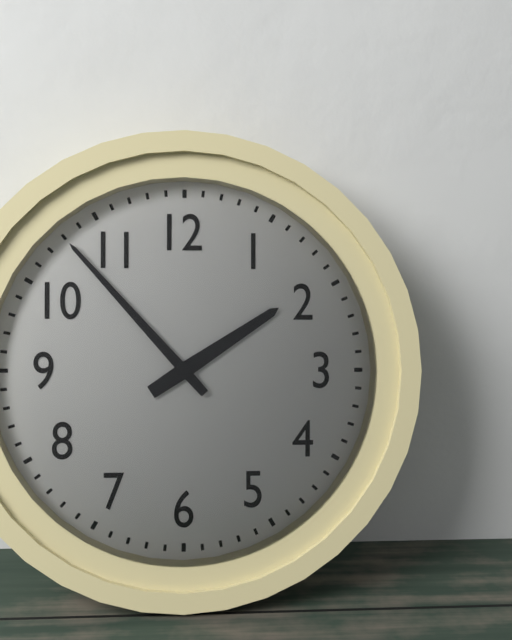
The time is 1,53
